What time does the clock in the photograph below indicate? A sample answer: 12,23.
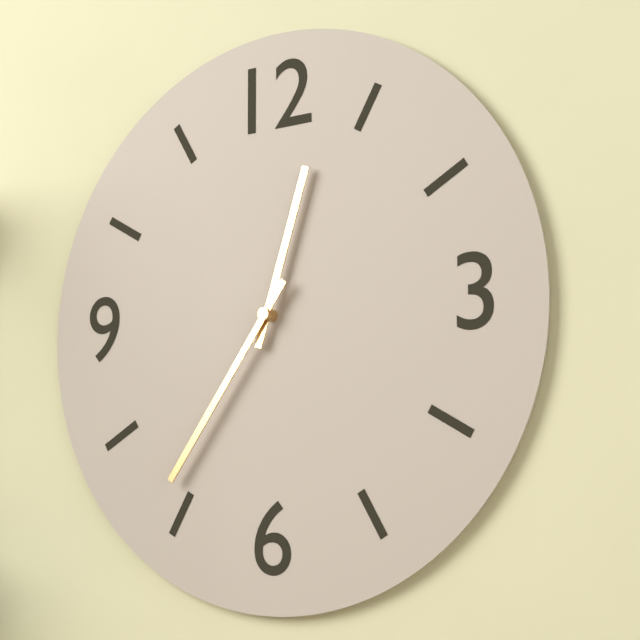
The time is 12,36
